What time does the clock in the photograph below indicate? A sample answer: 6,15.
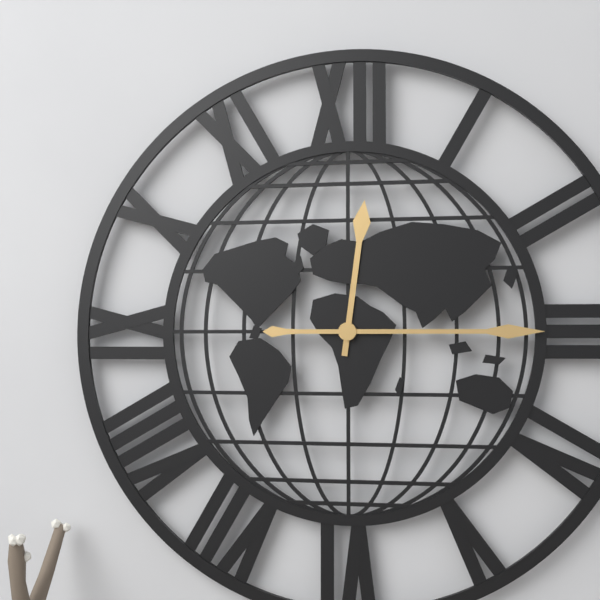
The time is 12,15
